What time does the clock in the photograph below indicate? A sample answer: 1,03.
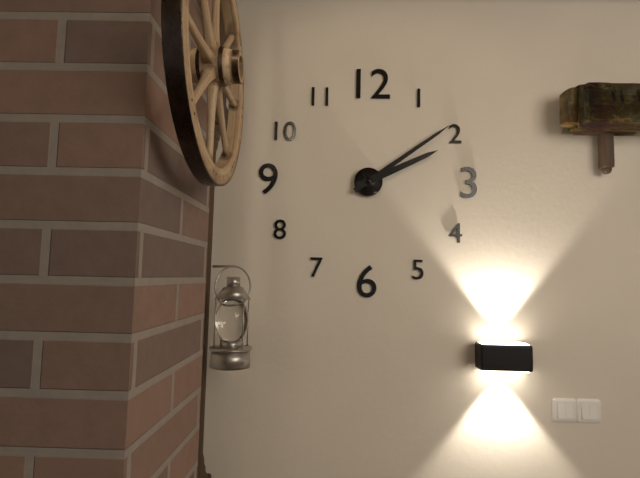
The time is 2,09
